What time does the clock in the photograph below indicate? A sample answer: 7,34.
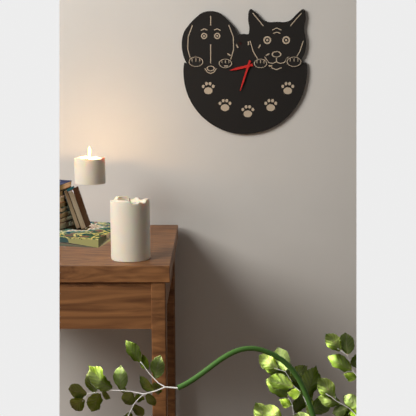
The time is 8,33
